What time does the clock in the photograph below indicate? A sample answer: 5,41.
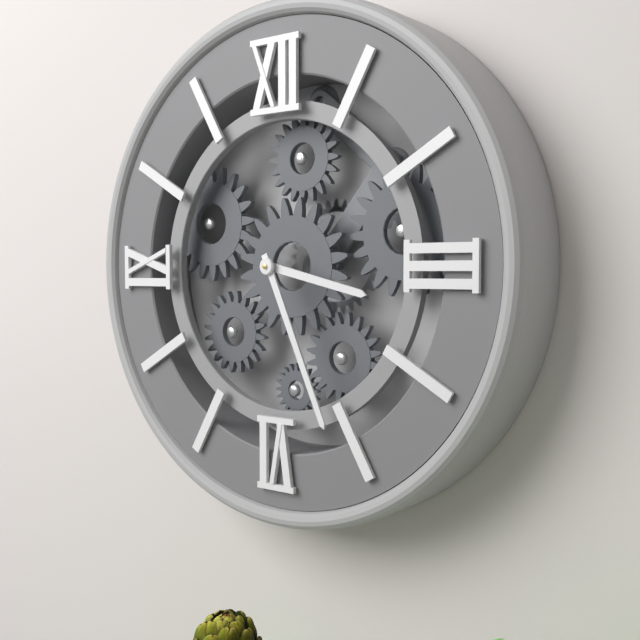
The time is 3,26
